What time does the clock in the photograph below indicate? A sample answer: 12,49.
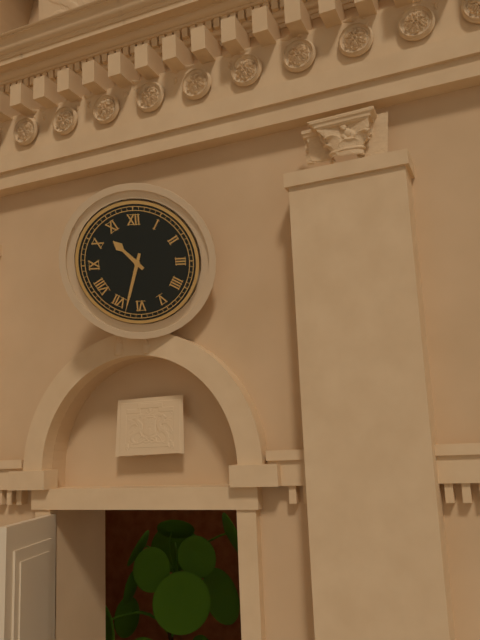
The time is 10,33
